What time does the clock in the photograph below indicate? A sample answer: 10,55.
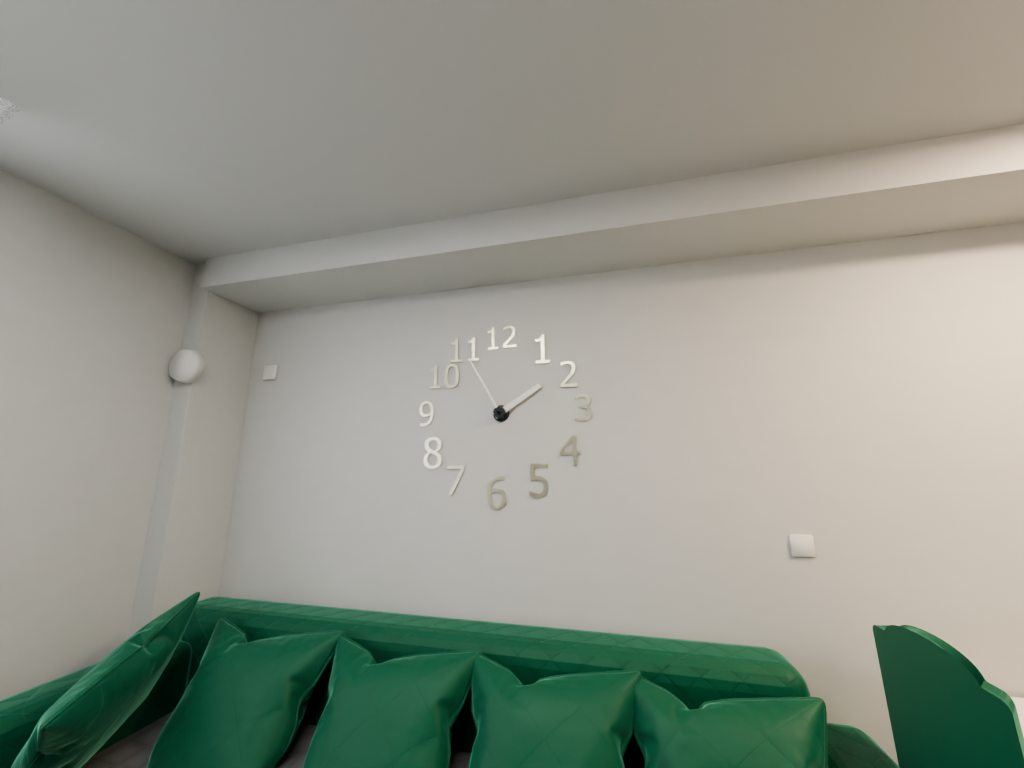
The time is 1,55
